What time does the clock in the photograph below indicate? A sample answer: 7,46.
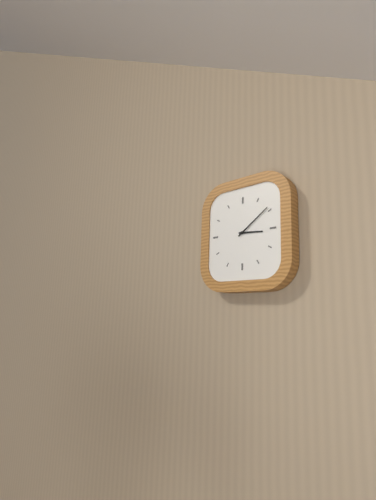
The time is 3,09
